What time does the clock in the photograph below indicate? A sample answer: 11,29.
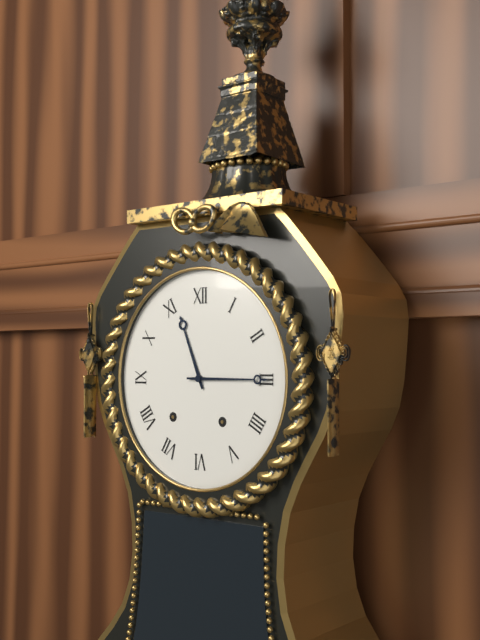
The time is 11,15
